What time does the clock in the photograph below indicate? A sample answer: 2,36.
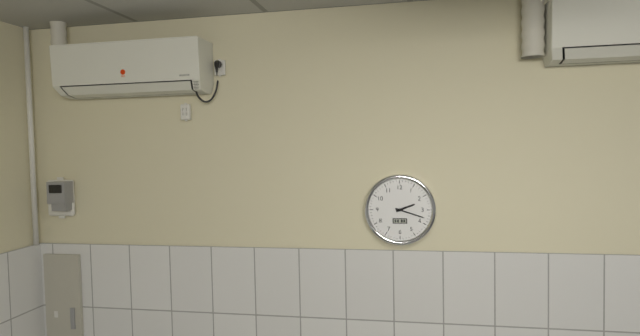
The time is 2,18
